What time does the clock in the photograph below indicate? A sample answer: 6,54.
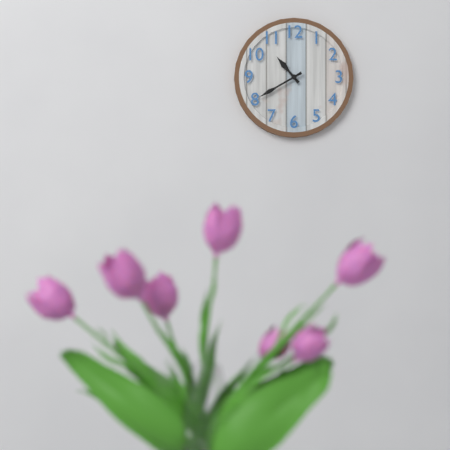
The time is 10,40
